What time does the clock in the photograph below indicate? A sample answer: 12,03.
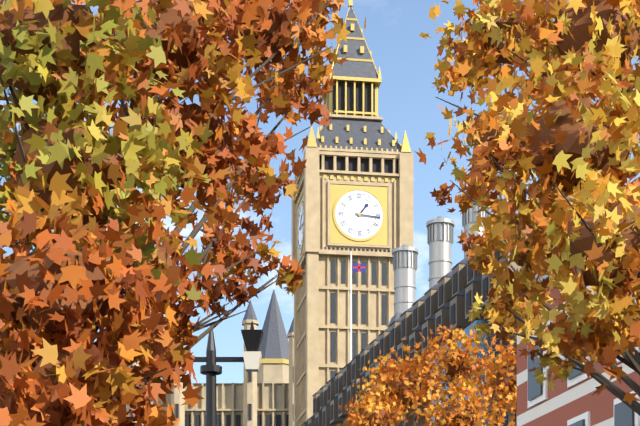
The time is 1,16
